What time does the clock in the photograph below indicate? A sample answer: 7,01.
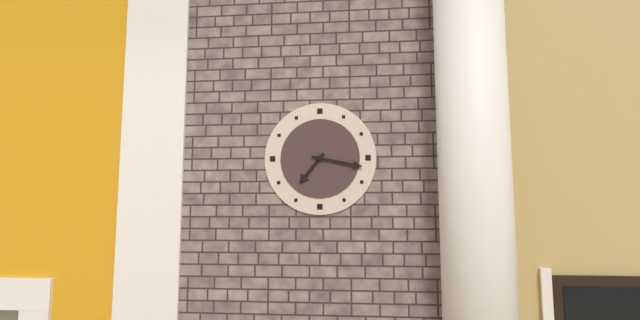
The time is 7,17
